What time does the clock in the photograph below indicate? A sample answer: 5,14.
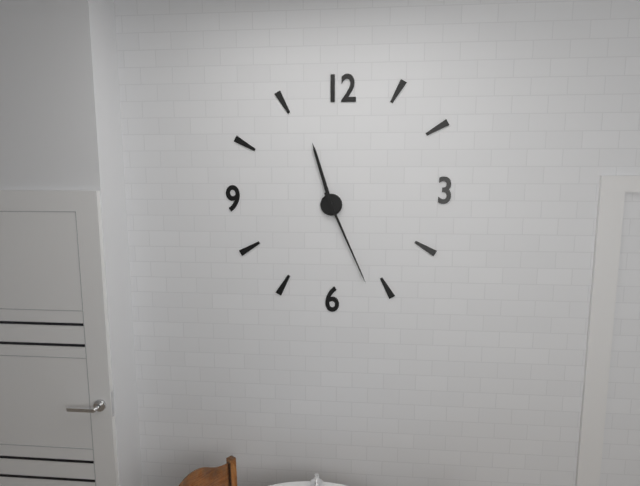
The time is 11,26
